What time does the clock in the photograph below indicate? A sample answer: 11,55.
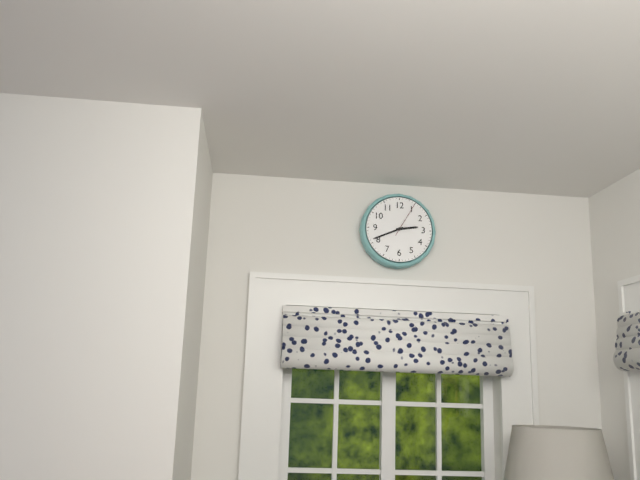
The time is 2,41
